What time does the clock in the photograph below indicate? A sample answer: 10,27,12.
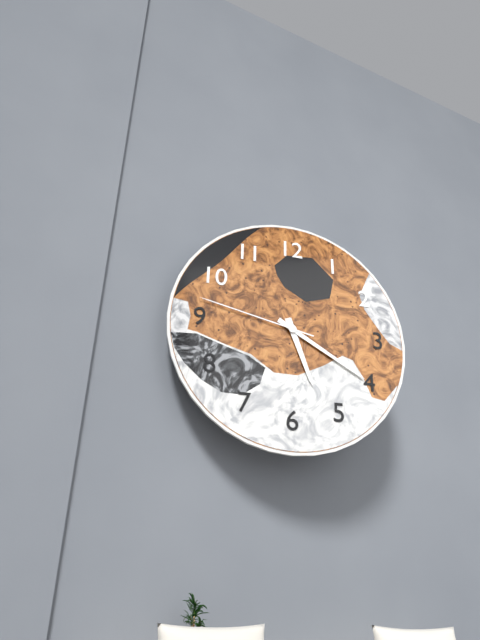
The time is 5,20,47
